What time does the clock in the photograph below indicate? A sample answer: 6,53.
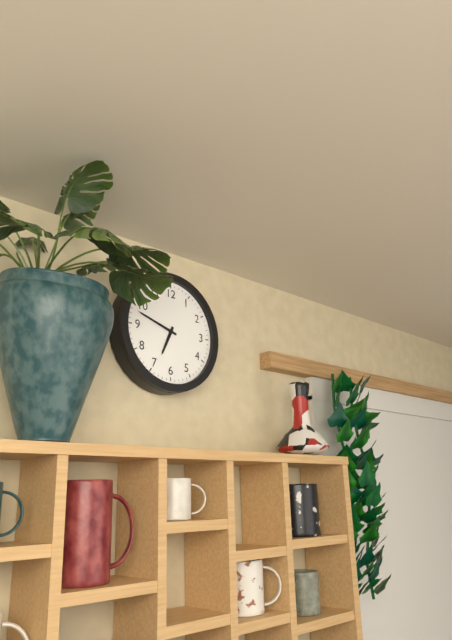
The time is 6,48
